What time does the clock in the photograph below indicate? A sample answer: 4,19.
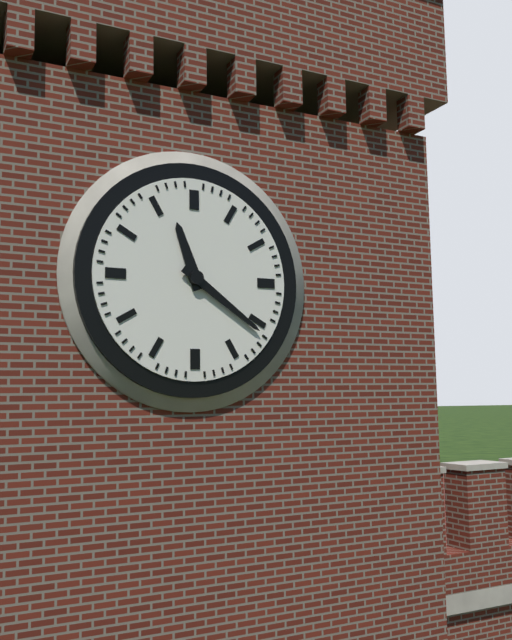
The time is 11,21
